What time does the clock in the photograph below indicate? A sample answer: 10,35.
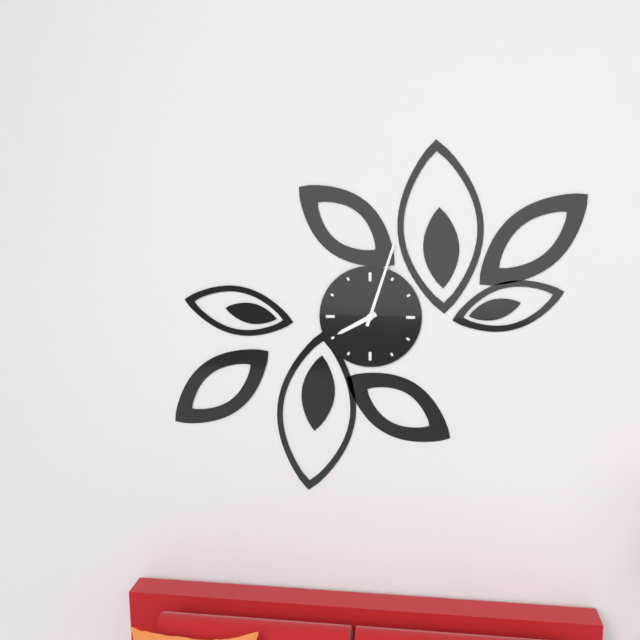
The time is 8,03
